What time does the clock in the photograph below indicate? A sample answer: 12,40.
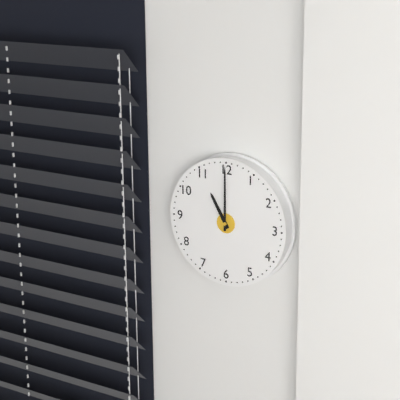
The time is 11,00
